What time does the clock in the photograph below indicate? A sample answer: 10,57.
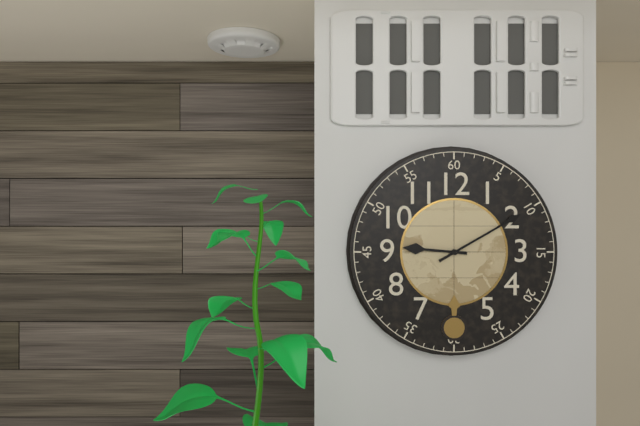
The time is 9,10
